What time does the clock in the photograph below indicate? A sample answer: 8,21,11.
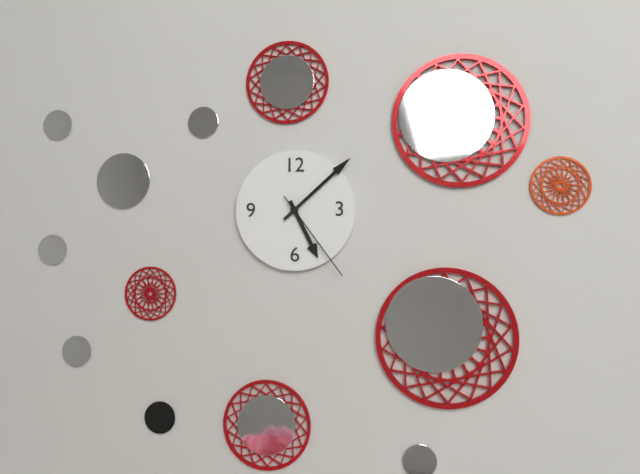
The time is 5,08,24
